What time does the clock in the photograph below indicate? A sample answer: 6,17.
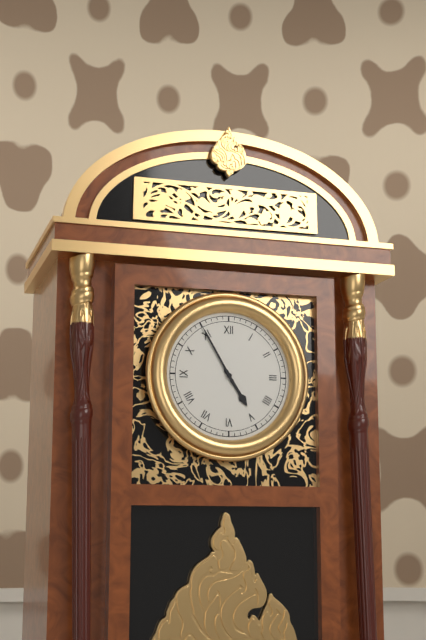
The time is 4,55
